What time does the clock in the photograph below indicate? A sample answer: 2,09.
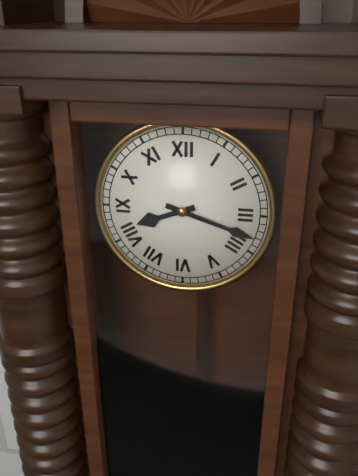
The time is 8,18
